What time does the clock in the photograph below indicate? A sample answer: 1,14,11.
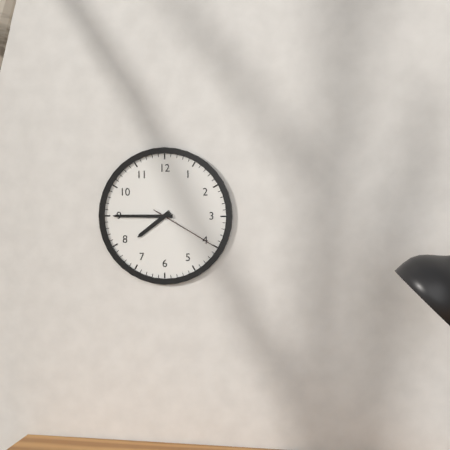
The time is 7,45,20
